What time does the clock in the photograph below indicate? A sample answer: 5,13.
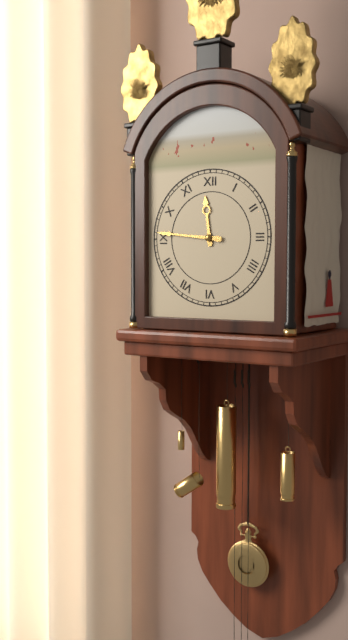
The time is 11,46
